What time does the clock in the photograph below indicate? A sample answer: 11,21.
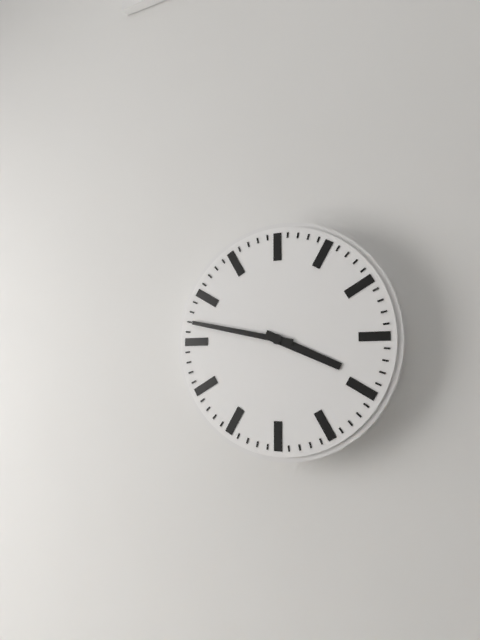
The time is 3,47
